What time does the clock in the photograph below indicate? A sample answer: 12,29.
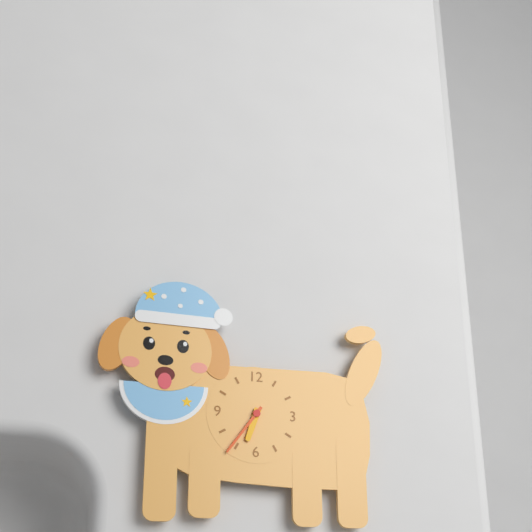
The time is 6,36
